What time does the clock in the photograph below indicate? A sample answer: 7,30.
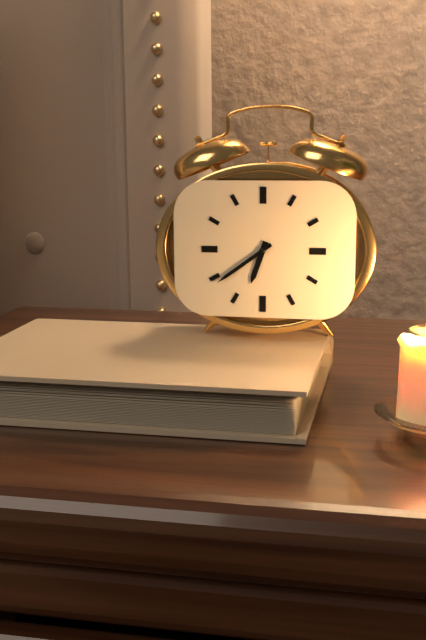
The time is 6,39
